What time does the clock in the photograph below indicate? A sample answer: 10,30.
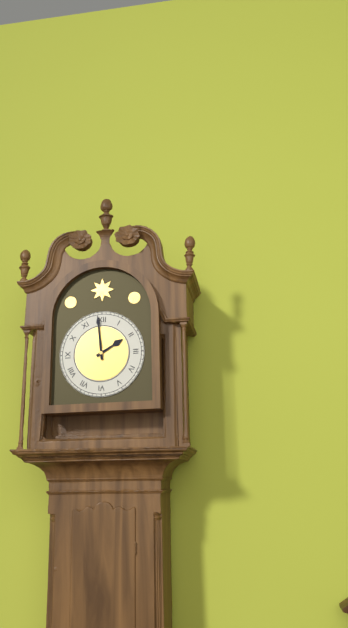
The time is 1,59
